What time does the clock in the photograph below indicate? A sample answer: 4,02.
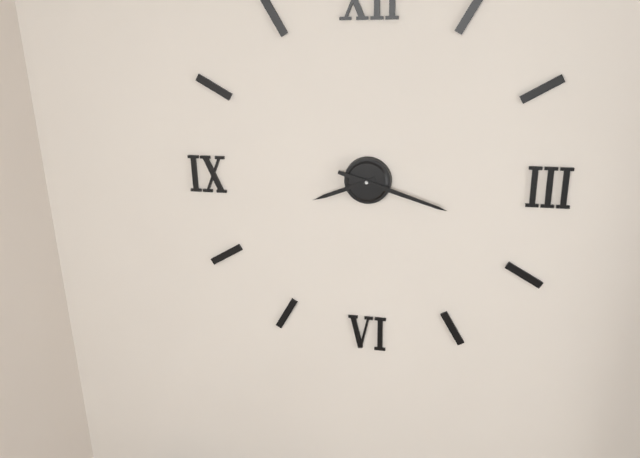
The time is 8,18
